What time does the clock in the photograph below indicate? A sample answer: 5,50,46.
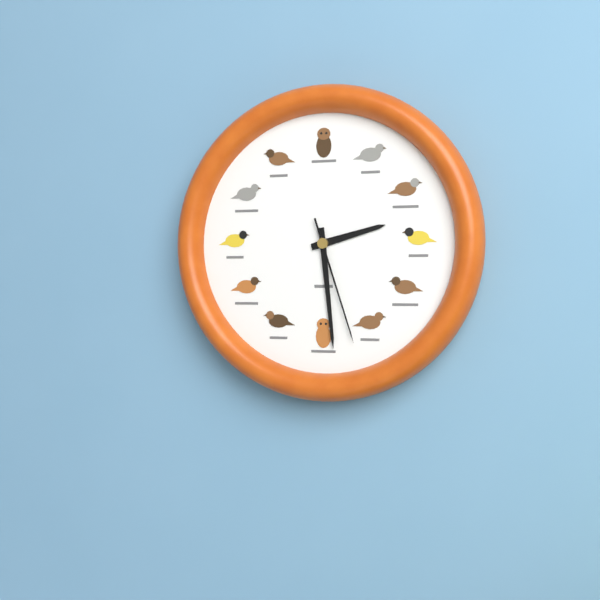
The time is 2,29,27
